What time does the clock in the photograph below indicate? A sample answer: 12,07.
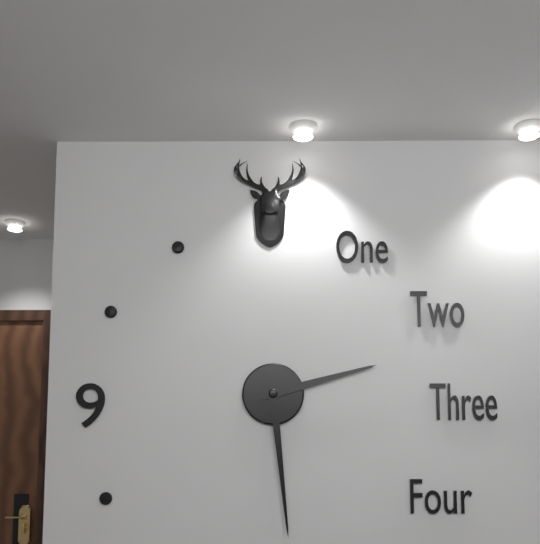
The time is 2,29
